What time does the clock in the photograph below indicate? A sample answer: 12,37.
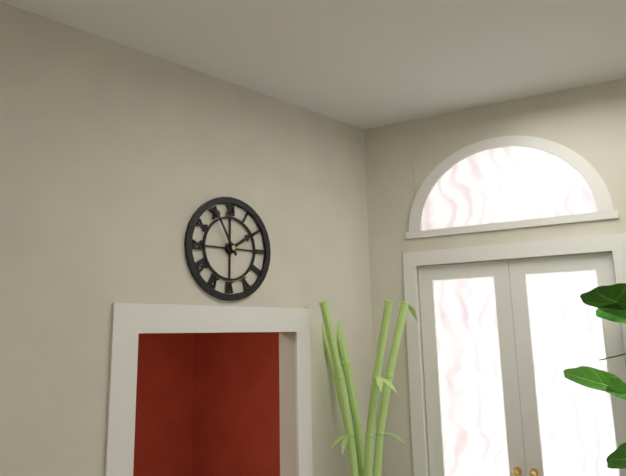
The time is 1,55
